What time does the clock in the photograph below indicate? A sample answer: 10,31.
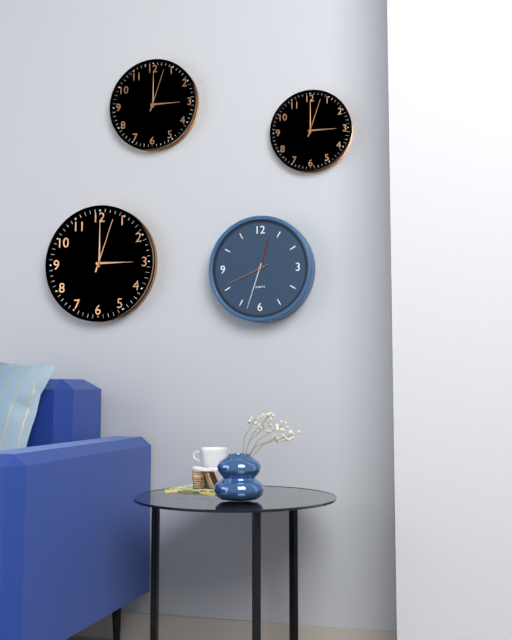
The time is 12,33
